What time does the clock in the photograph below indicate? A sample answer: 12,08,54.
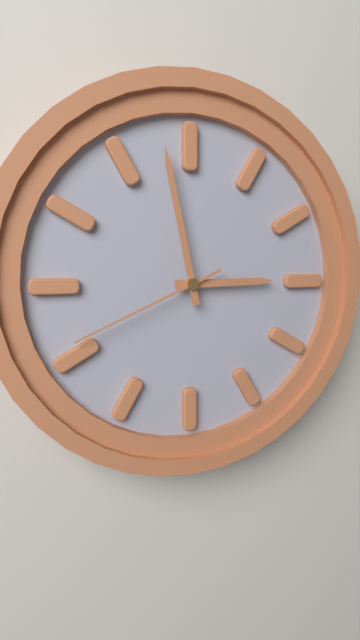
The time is 2,58,41
